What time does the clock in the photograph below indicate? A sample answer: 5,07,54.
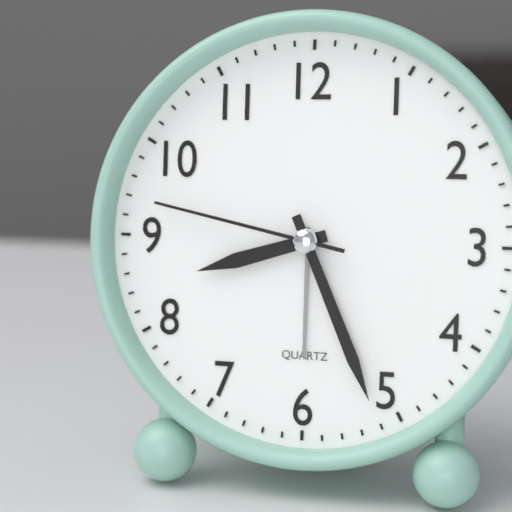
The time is 8,26,47
